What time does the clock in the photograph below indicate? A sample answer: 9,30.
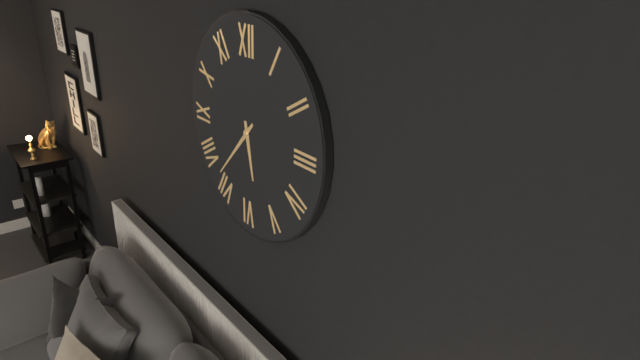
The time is 5,37
